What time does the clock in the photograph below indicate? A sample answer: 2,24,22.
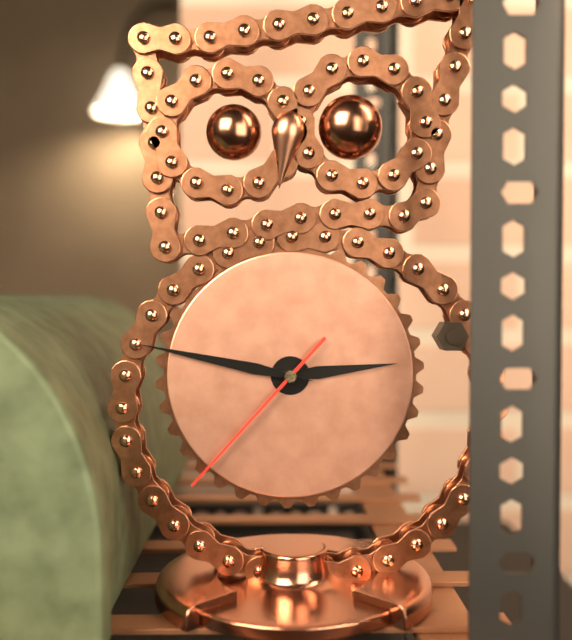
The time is 2,47,37
